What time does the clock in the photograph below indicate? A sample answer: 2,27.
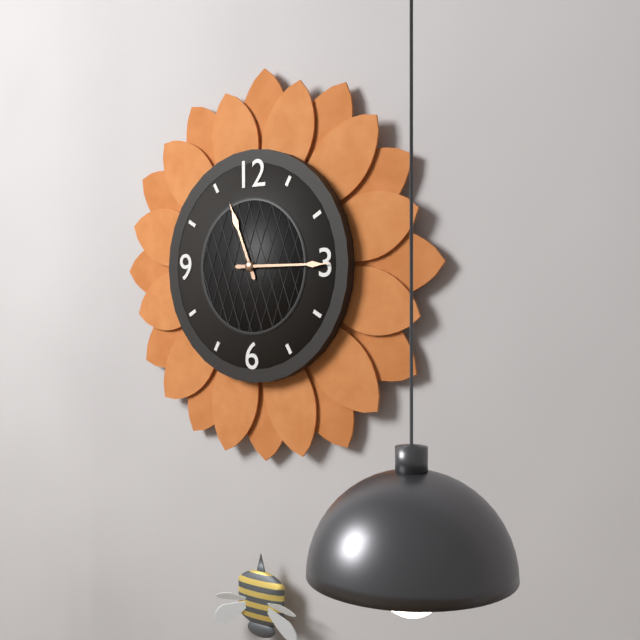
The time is 11,15
